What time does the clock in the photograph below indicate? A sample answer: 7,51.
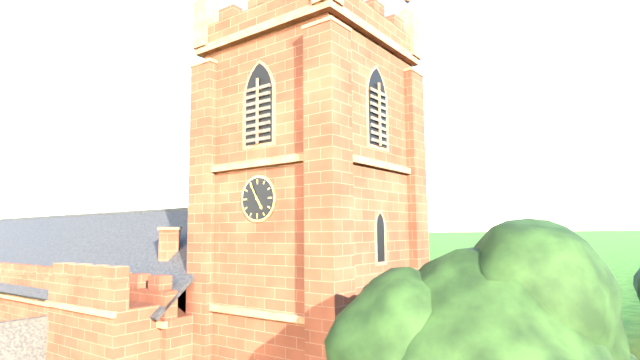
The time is 4,55
